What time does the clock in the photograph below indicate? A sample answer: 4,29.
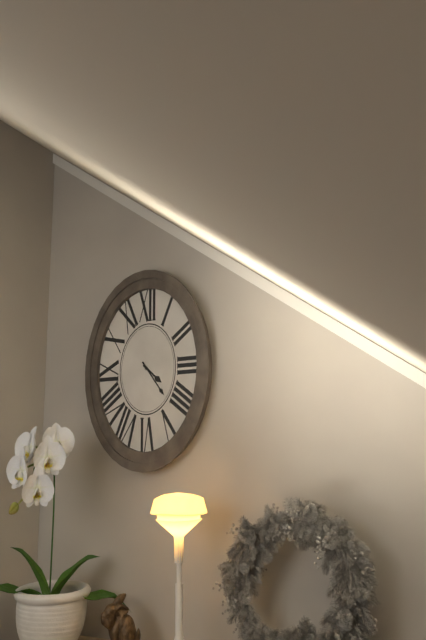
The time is 4,24
